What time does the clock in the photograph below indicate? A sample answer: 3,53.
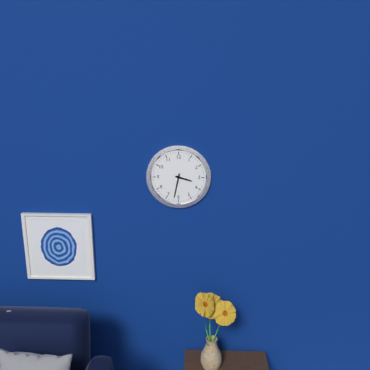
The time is 3,32
